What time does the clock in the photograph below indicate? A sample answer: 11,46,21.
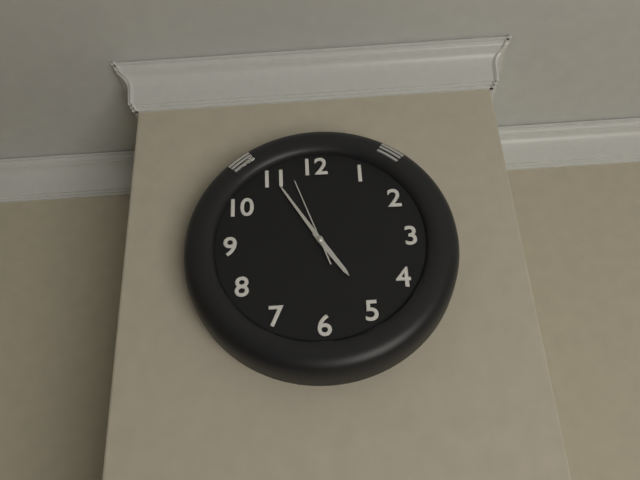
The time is 4,55,57
